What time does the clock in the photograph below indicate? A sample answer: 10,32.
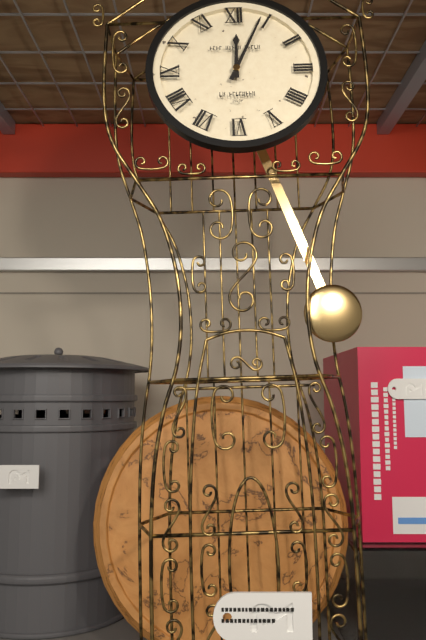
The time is 12,04
